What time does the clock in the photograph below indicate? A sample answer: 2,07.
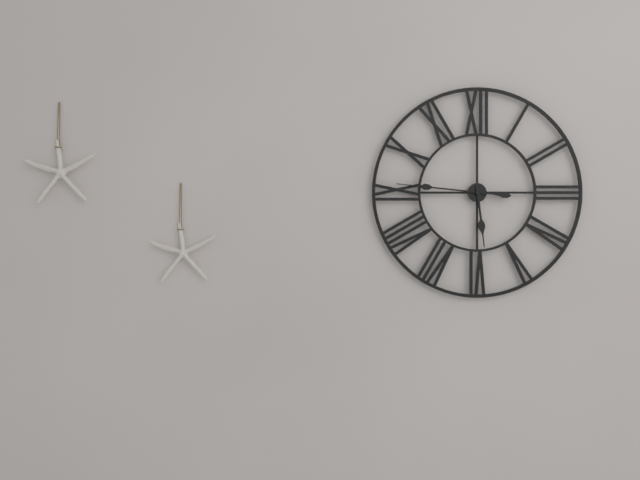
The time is 5,46
